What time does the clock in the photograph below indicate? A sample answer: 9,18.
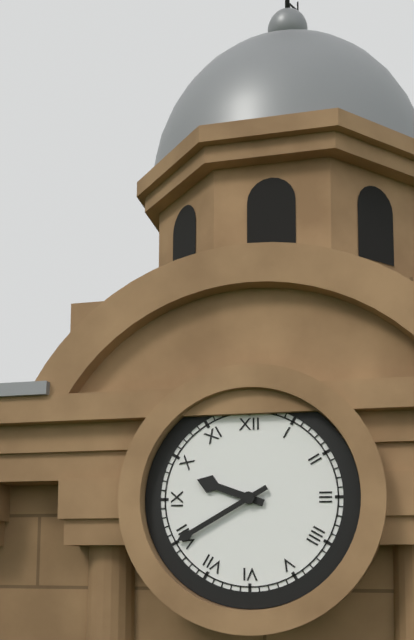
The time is 9,40
